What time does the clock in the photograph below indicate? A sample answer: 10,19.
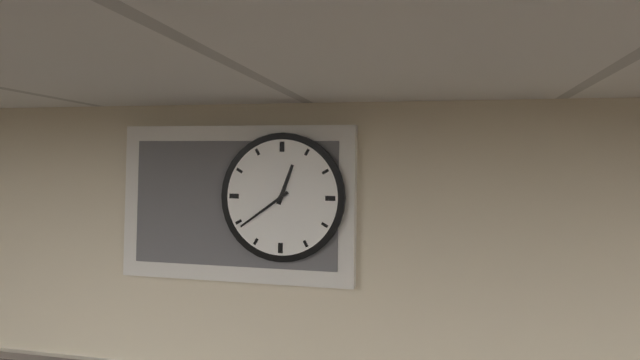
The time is 12,39
